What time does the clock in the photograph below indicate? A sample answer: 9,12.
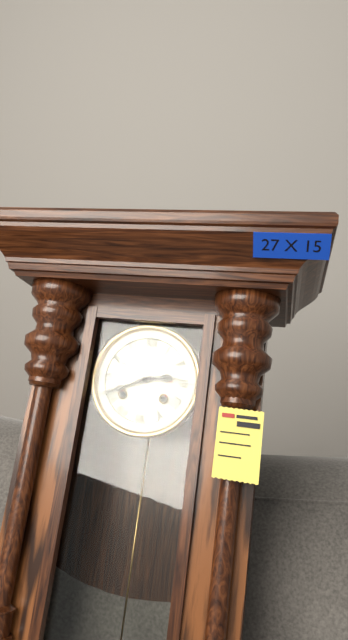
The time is 2,41
